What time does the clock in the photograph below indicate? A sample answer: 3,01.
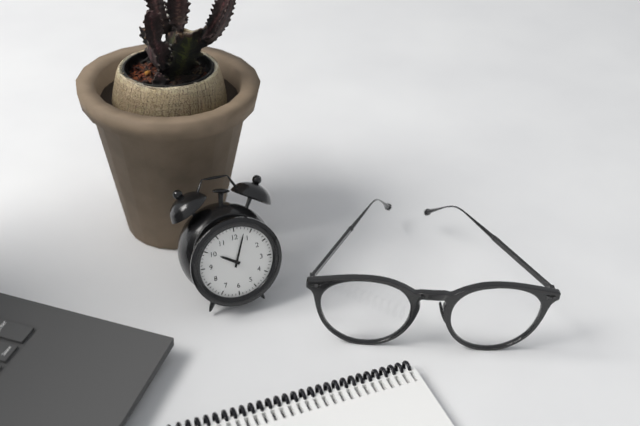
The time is 10,03
